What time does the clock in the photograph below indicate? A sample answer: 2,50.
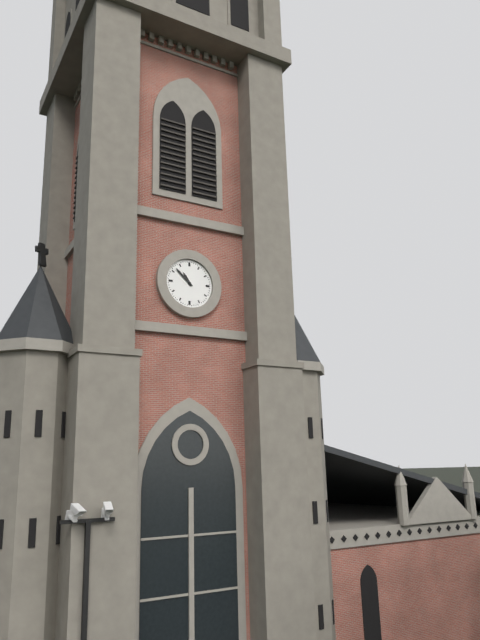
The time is 10,52
